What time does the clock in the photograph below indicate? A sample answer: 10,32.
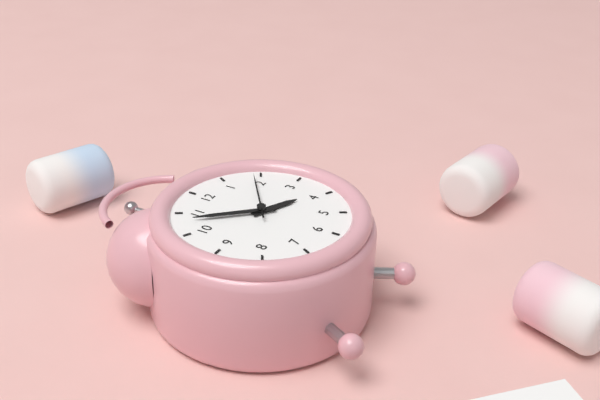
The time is 3,53
